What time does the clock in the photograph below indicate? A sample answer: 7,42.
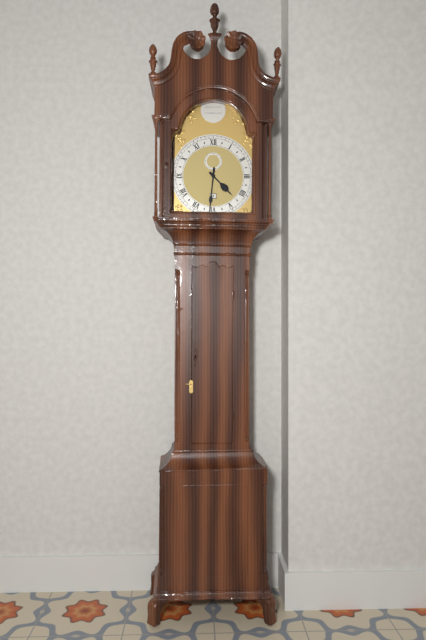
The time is 4,31
